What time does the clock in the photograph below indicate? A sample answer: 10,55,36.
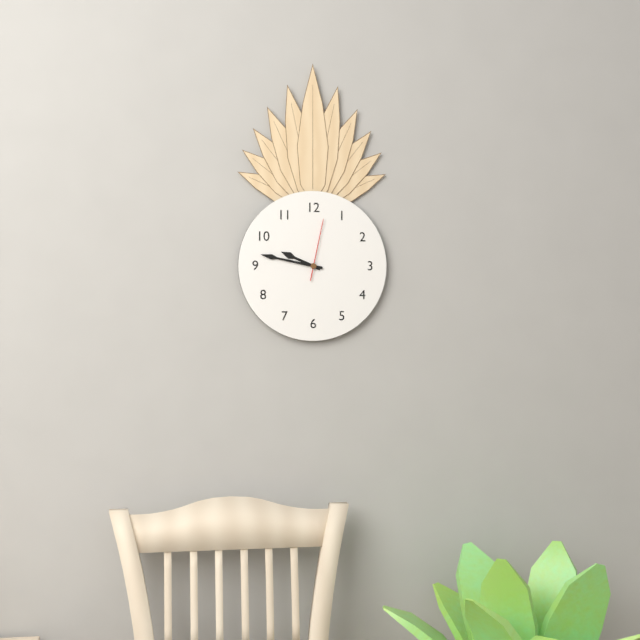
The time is 9,47,02
